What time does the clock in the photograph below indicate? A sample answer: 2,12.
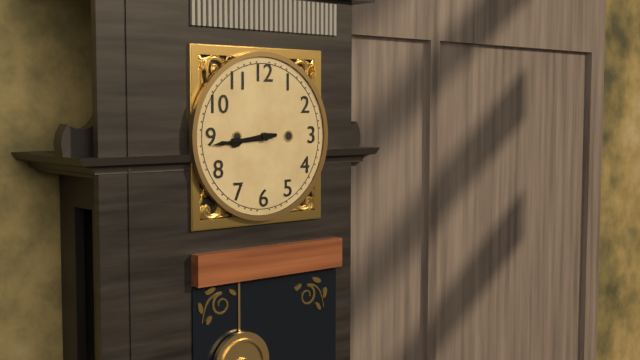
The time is 8,44
